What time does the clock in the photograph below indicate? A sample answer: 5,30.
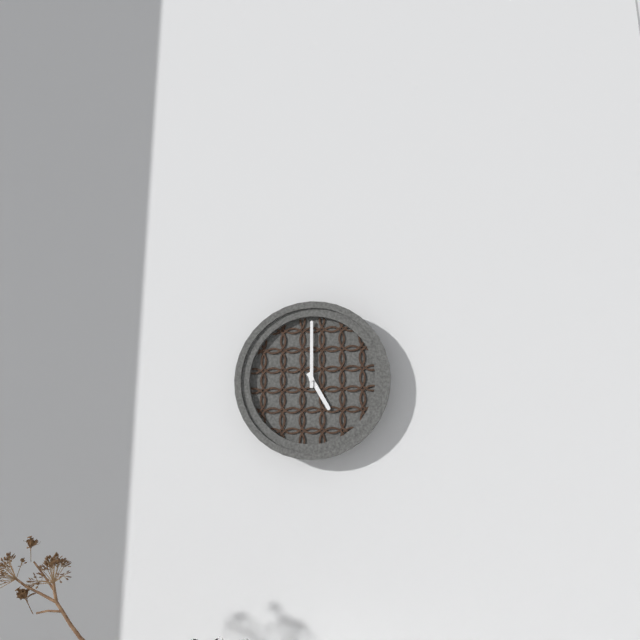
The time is 5,00
